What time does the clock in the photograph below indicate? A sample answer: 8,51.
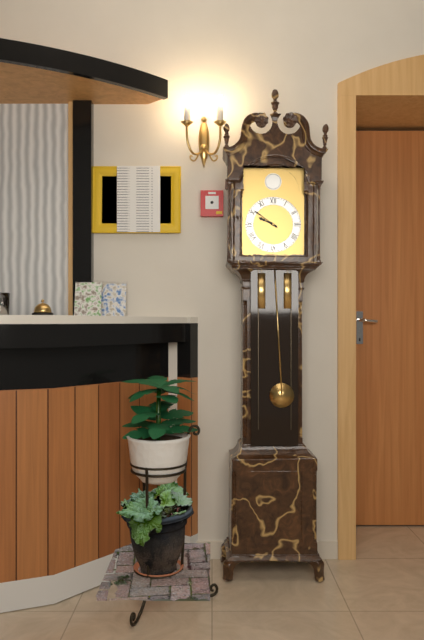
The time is 9,51
